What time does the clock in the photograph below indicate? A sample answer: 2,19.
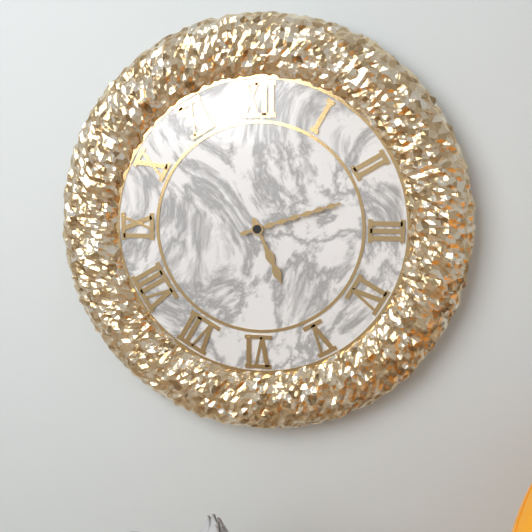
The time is 5,12
